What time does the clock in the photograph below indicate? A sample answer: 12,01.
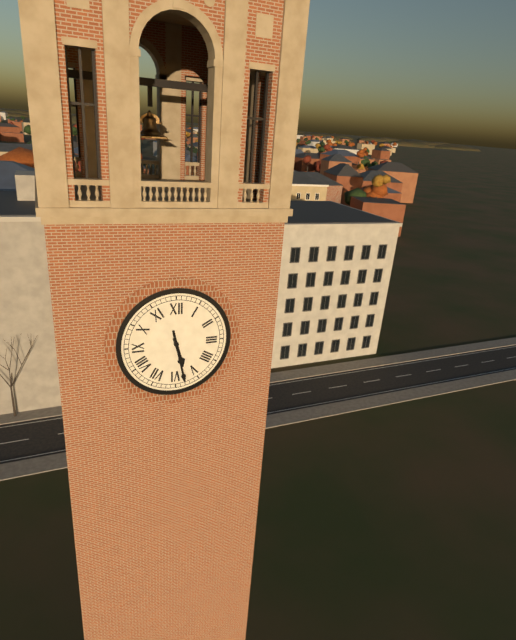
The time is 5,28
